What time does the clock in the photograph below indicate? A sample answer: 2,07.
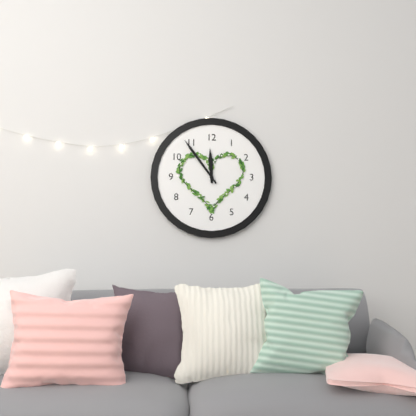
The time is 11,54
